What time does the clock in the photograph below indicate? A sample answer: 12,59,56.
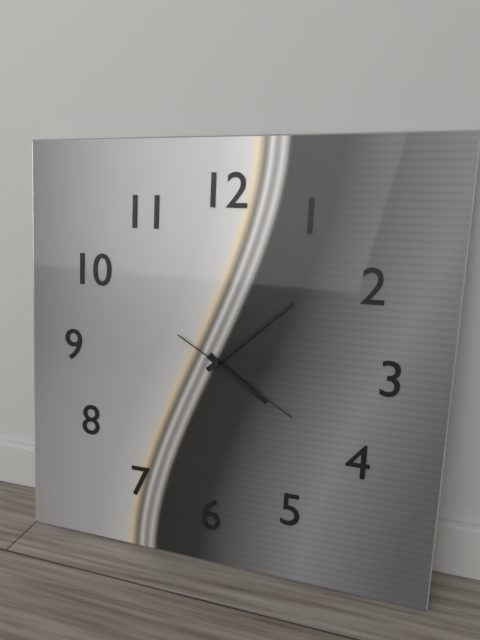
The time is 4,08,20
